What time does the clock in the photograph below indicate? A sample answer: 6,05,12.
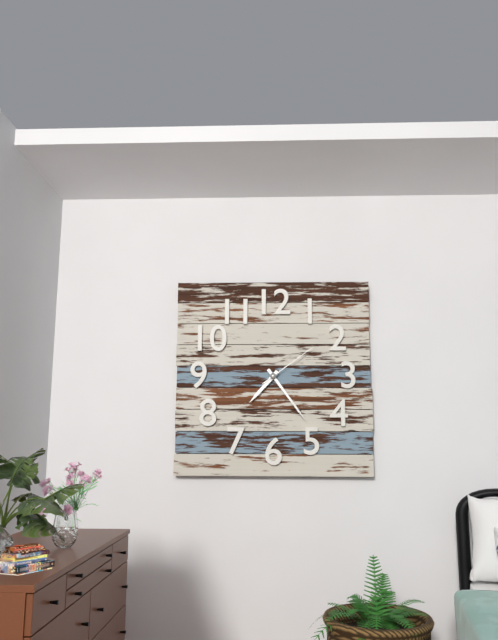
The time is 7,24,09
